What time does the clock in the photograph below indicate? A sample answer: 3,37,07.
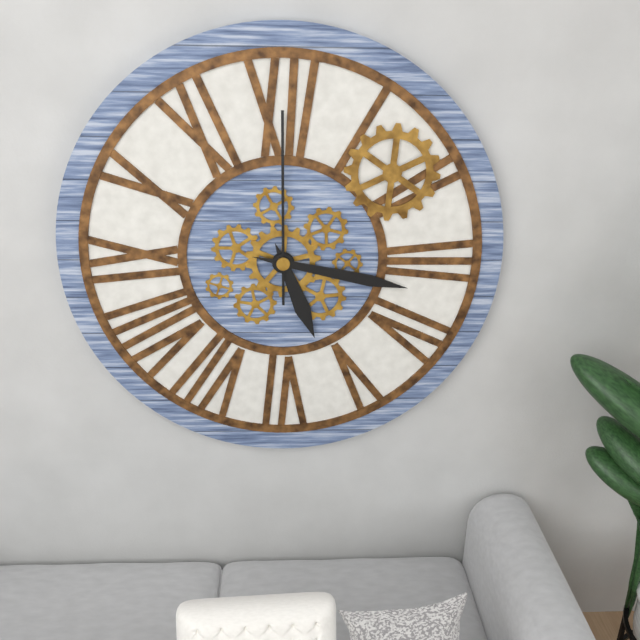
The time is 5,17,00
